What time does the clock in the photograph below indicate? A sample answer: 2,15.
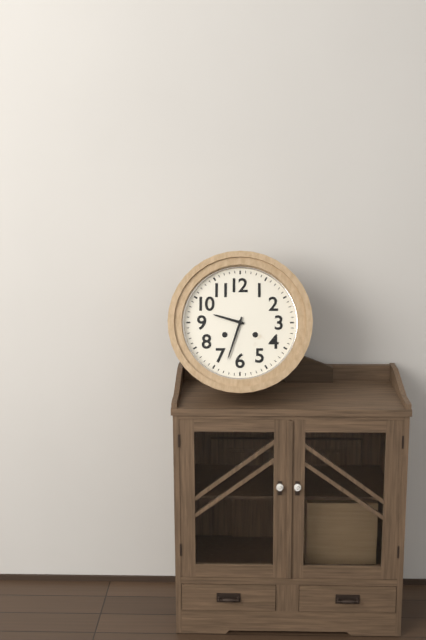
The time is 9,33
